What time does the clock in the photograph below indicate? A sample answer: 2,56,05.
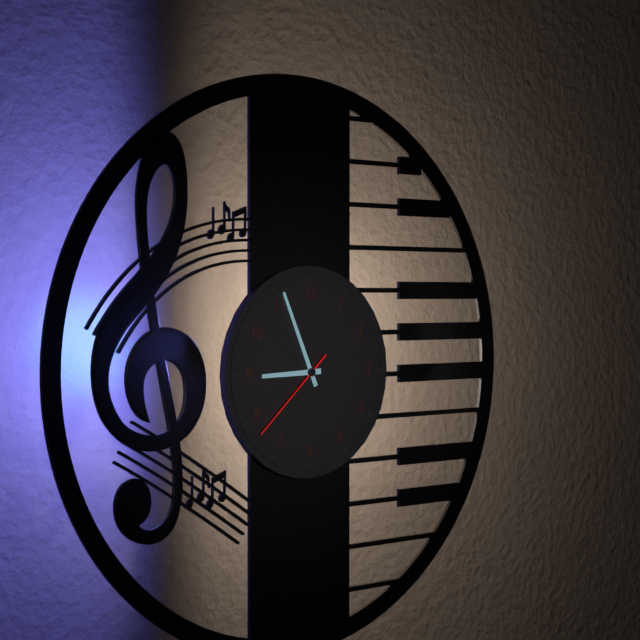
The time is 8,56,38
